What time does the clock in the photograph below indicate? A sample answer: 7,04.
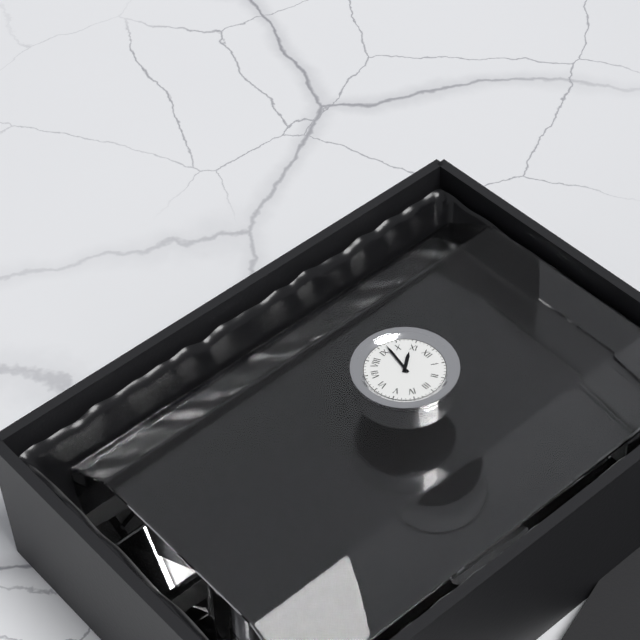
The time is 10,47
